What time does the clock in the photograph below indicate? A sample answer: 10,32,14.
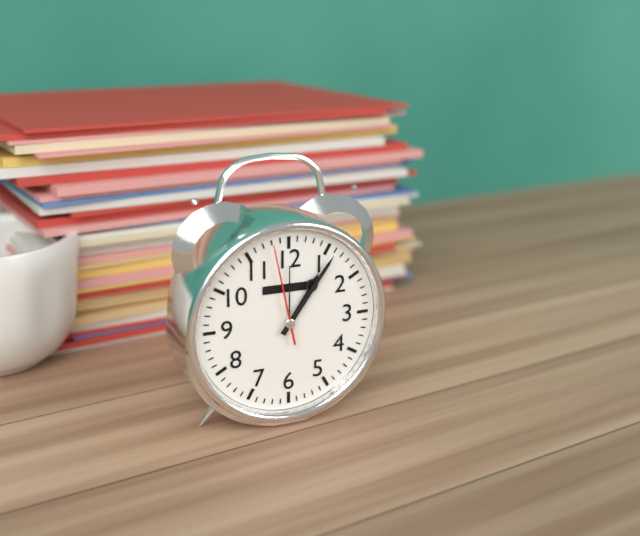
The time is 1,06,58
